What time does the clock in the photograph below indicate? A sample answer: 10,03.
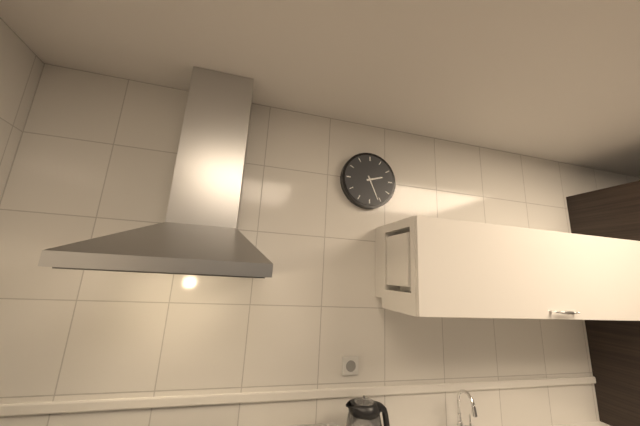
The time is 2,26
